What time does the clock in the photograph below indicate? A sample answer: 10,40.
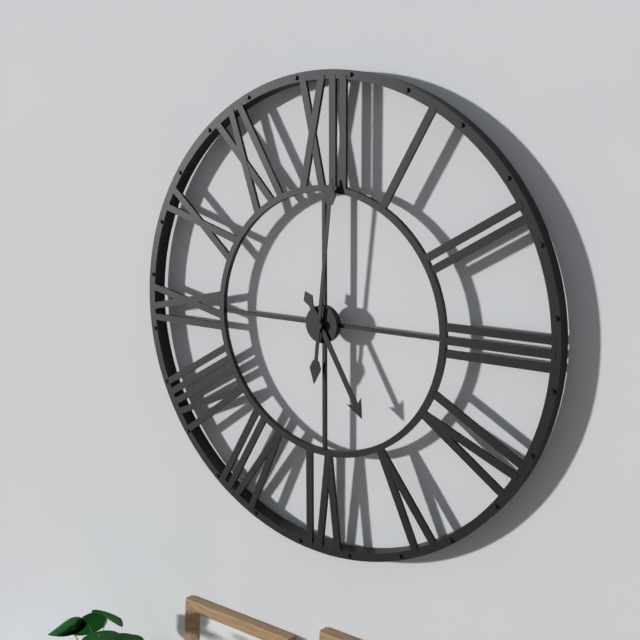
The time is 5,01
